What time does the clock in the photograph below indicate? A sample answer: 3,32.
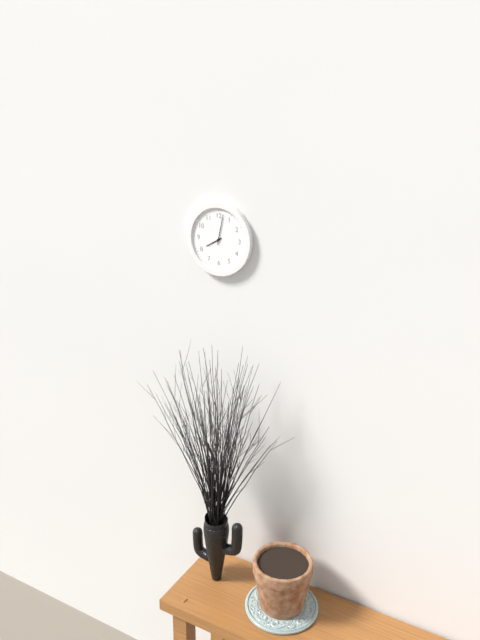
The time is 8,02
